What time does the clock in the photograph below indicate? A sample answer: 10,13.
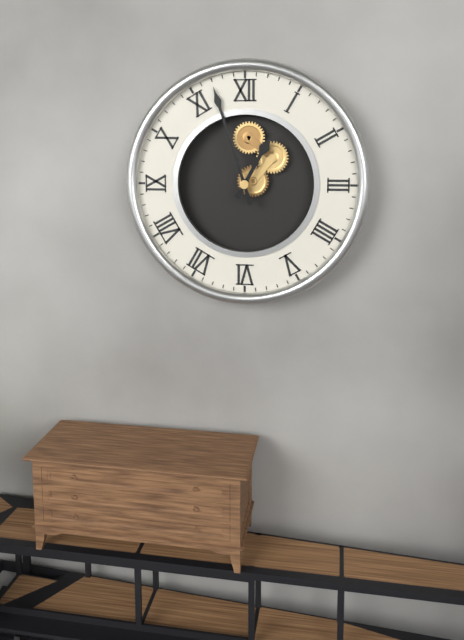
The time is 12,57
